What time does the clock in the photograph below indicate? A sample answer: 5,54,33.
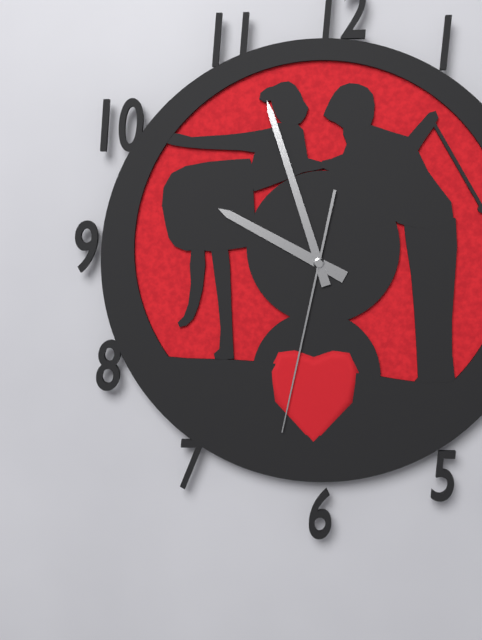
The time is 9,57,32
